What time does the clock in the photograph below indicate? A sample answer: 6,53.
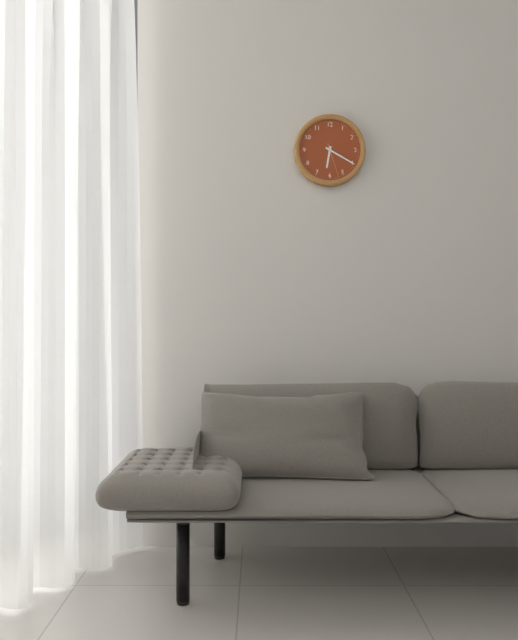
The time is 6,20
